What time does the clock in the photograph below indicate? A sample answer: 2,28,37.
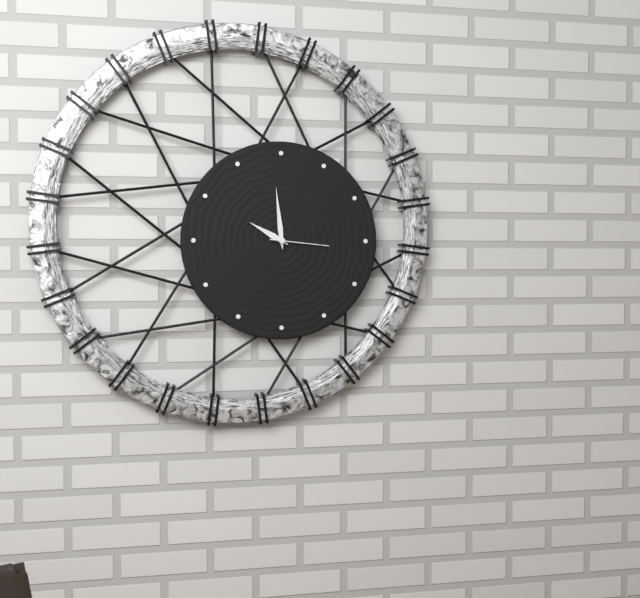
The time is 9,59,16
